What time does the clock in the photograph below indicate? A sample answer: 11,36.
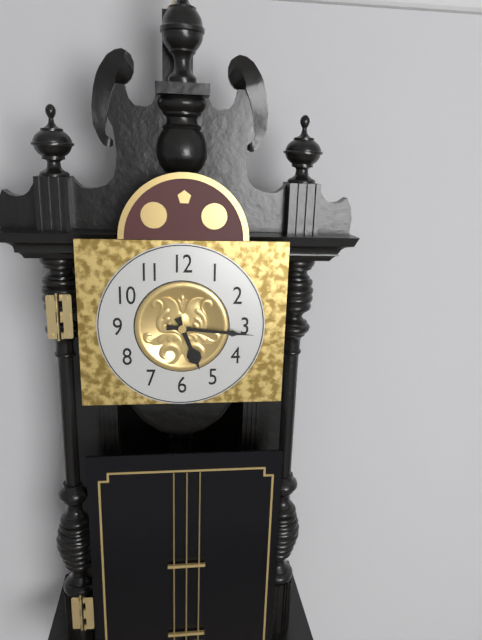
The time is 5,16
